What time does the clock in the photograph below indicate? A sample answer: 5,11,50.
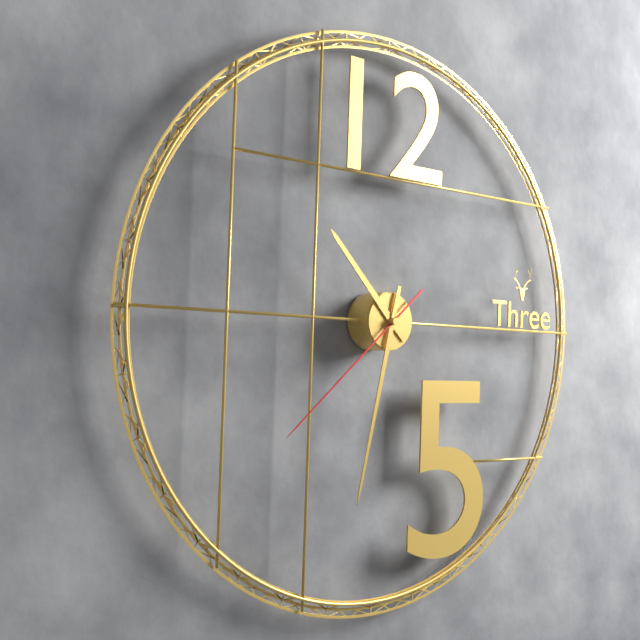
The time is 10,32,38
